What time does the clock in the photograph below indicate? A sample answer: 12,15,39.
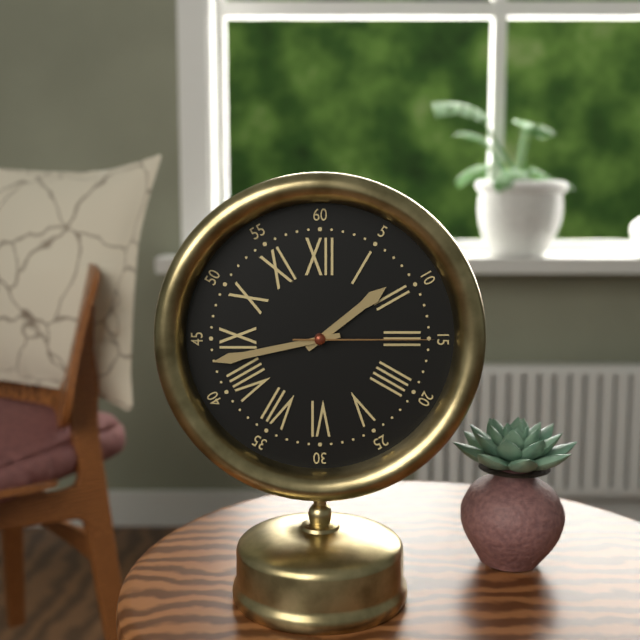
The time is 1,43,15
